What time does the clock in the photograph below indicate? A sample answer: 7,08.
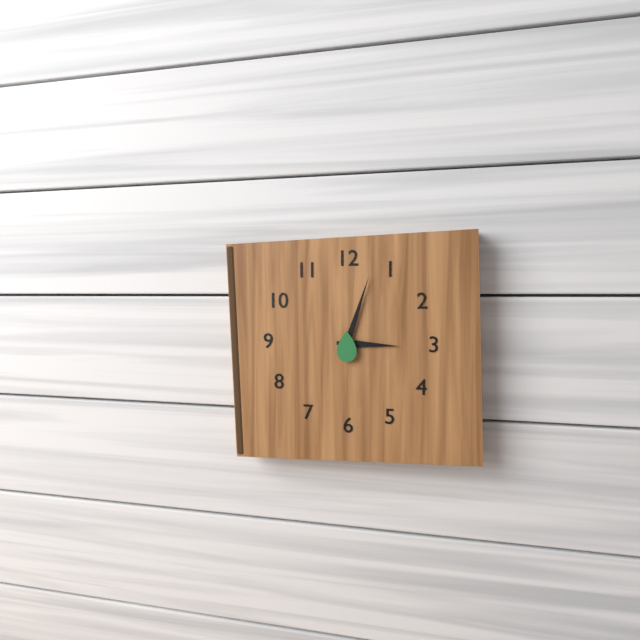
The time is 3,03
